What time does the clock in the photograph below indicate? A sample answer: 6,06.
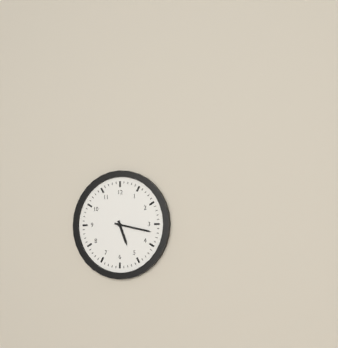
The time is 5,17
